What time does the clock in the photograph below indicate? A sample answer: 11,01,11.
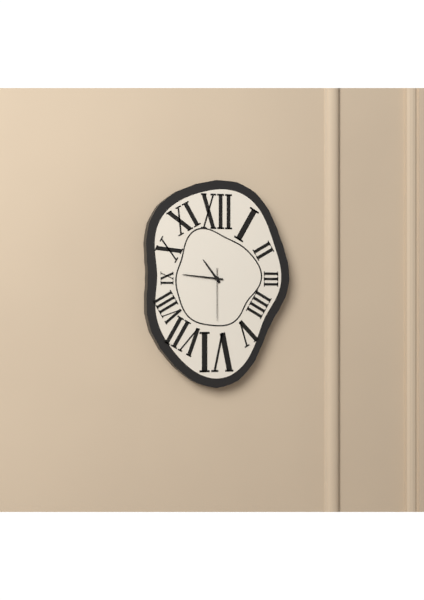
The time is 10,46,30
